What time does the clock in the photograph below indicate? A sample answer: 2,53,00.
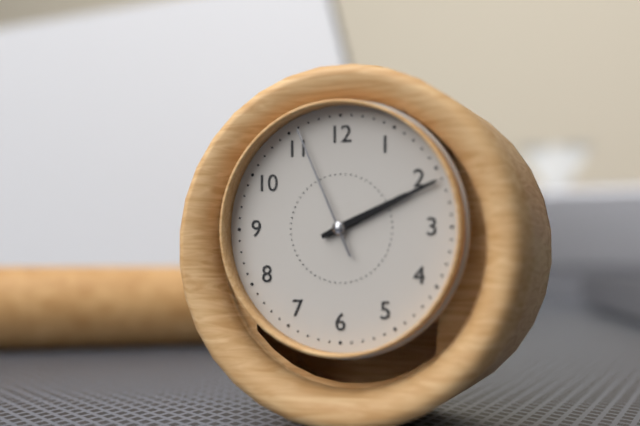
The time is 2,11,56
